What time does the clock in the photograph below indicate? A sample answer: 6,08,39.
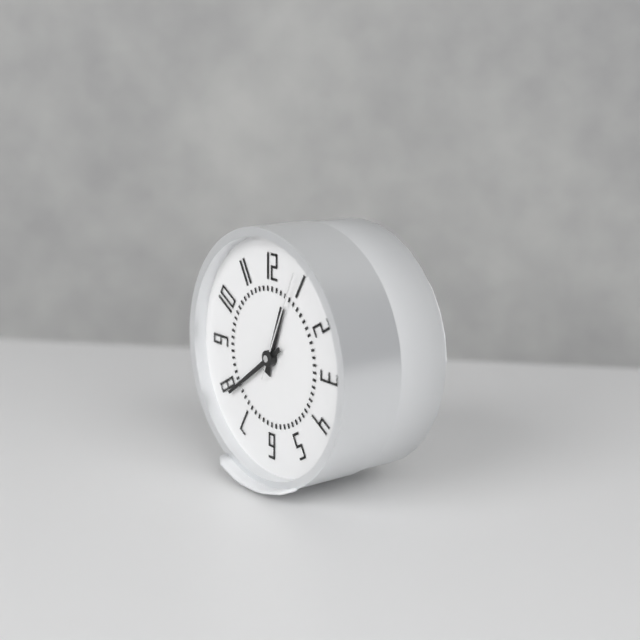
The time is 12,39,04
